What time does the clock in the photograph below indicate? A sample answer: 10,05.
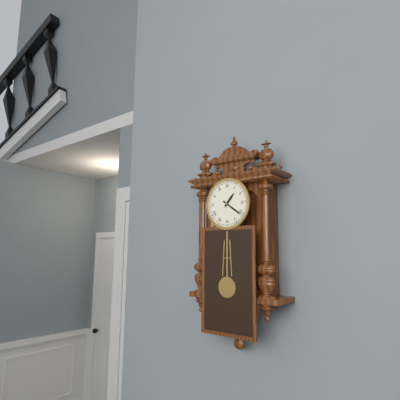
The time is 1,21
